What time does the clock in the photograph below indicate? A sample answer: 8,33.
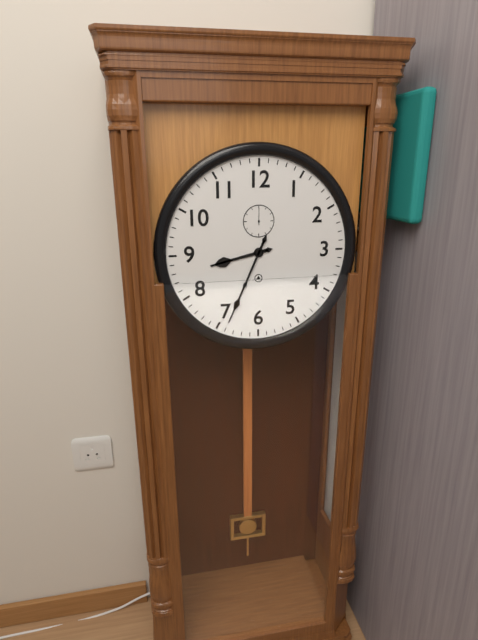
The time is 8,34
